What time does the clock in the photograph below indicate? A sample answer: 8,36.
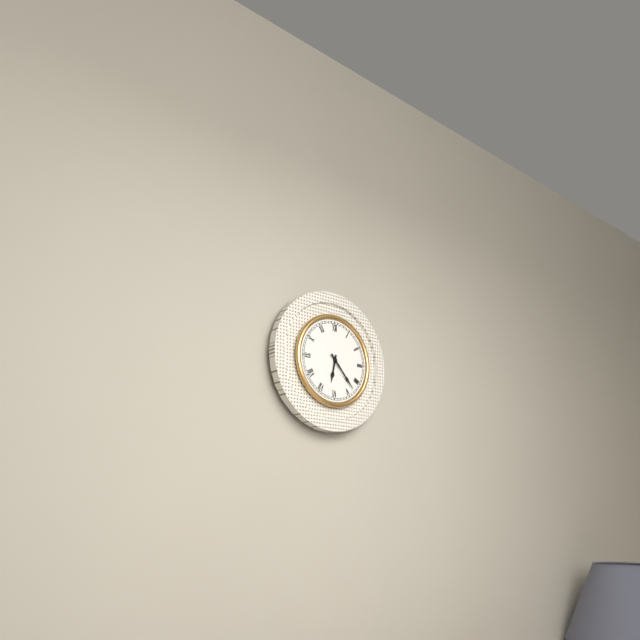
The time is 6,23
